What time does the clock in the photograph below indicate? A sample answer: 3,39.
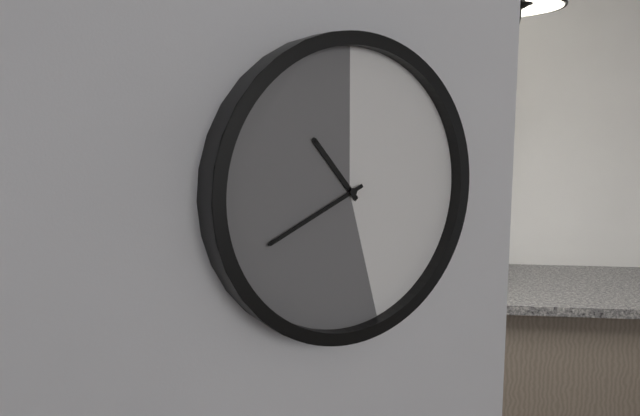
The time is 10,41
